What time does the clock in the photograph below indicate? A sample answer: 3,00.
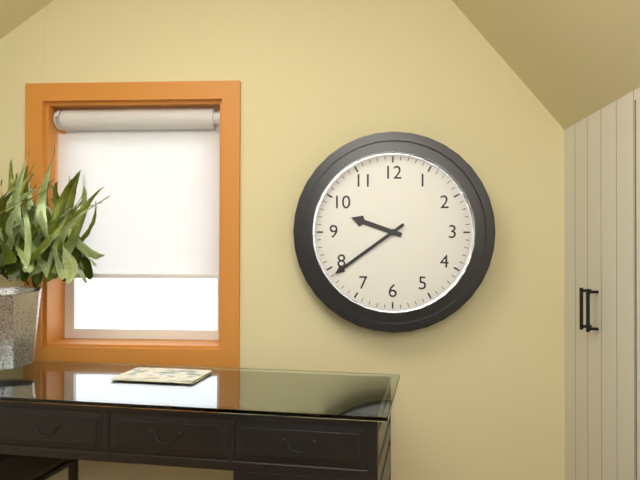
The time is 9,39
